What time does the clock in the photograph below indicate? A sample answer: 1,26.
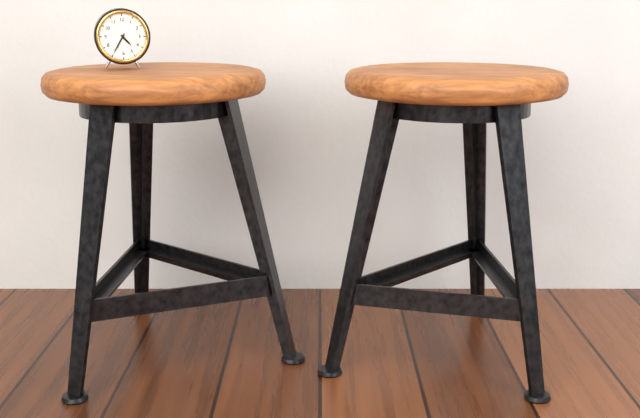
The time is 4,35
